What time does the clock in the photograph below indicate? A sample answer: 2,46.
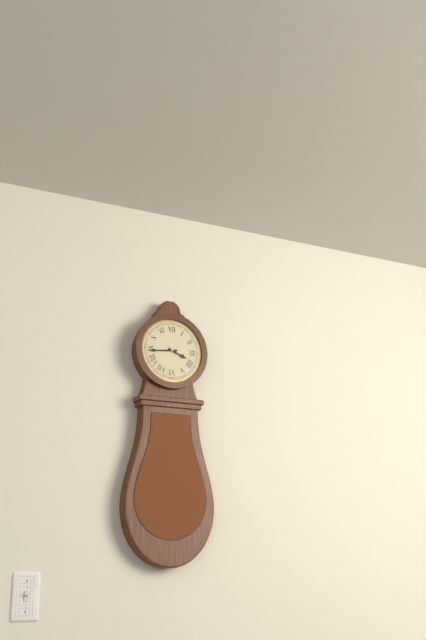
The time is 3,44
